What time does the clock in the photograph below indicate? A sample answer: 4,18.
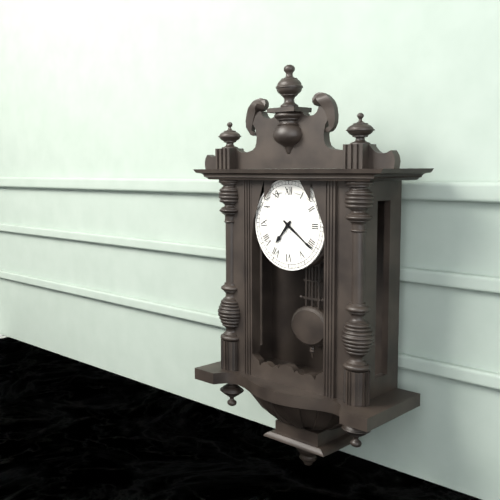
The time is 7,21
